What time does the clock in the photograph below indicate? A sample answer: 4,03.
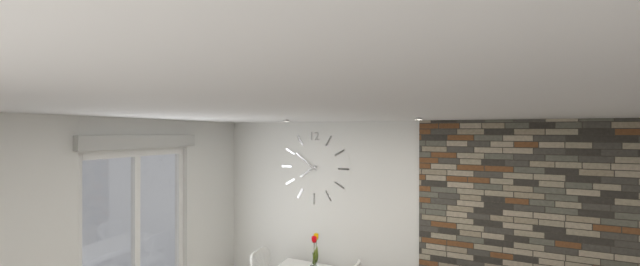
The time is 7,51
